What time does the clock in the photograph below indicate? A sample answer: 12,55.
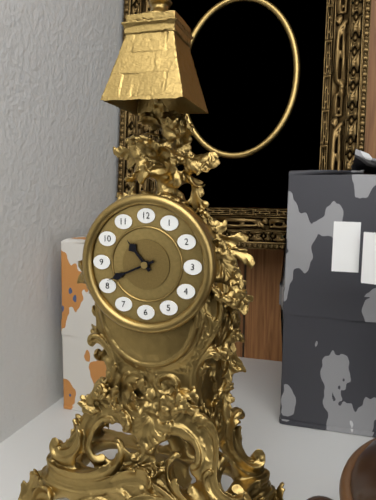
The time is 10,41
